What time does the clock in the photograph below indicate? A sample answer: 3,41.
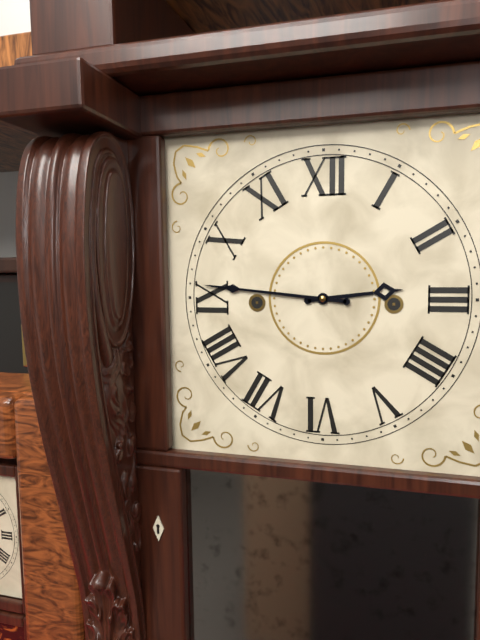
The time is 2,46
